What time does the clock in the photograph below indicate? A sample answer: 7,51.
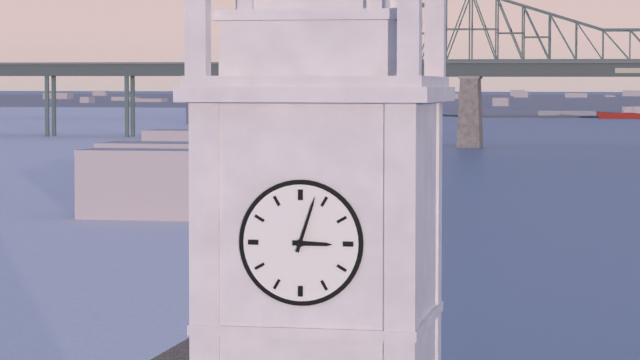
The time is 3,03
